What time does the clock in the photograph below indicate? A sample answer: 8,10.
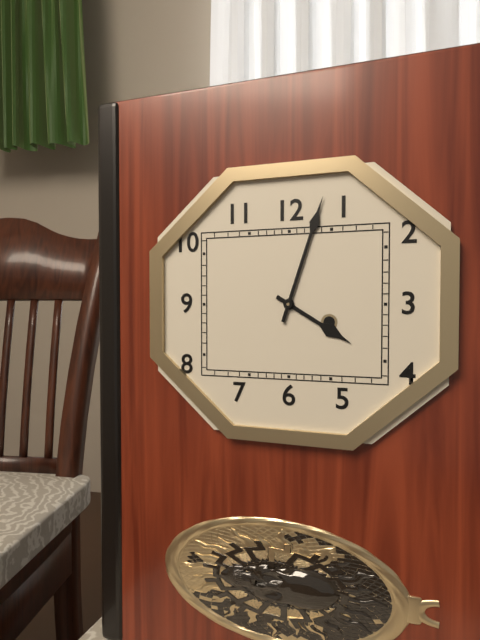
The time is 4,03
